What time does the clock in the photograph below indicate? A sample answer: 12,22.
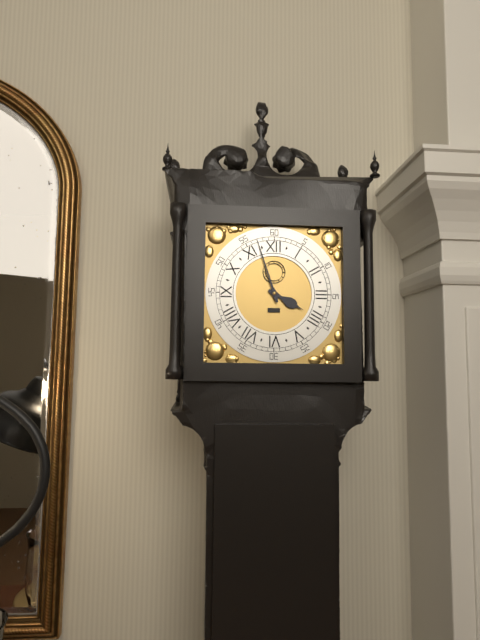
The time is 3,57
